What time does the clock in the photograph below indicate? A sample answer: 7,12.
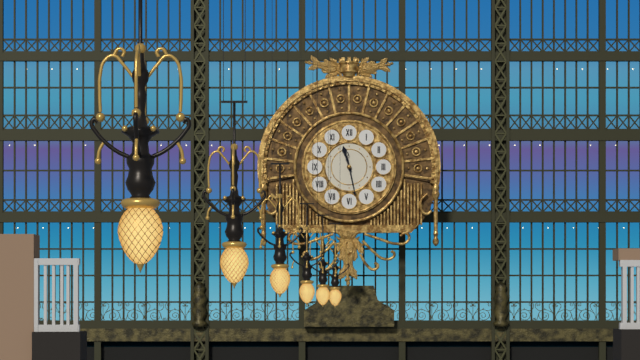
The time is 11,28
